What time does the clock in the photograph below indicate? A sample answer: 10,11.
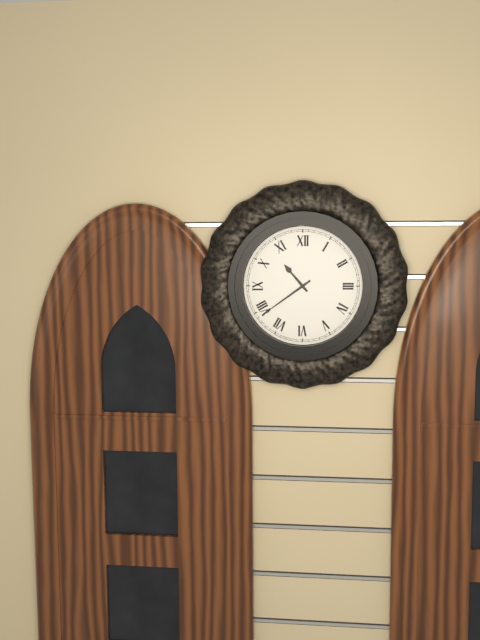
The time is 10,39
